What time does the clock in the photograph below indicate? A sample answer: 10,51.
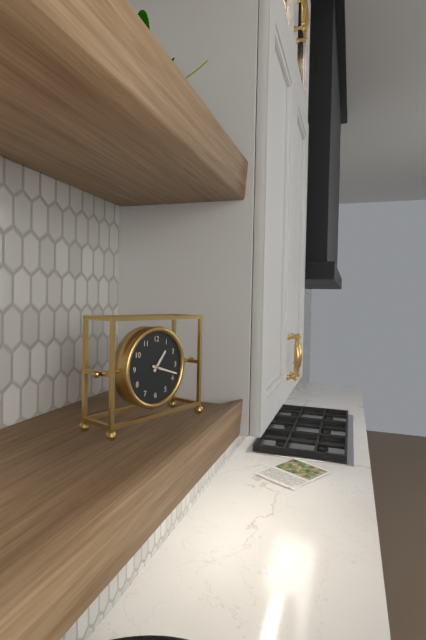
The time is 1,18
